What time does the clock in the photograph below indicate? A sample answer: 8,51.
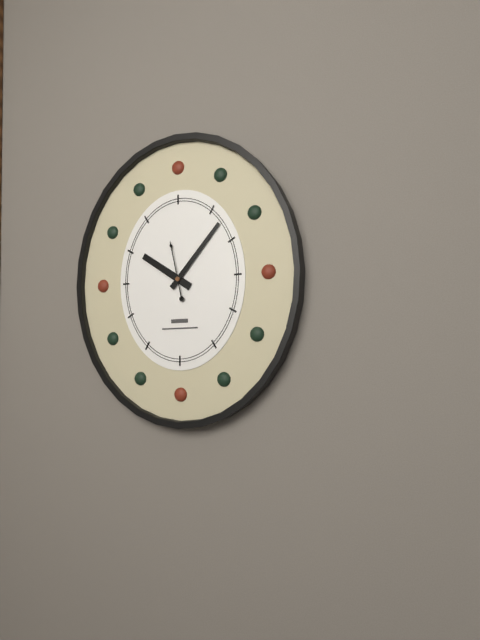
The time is 10,07
